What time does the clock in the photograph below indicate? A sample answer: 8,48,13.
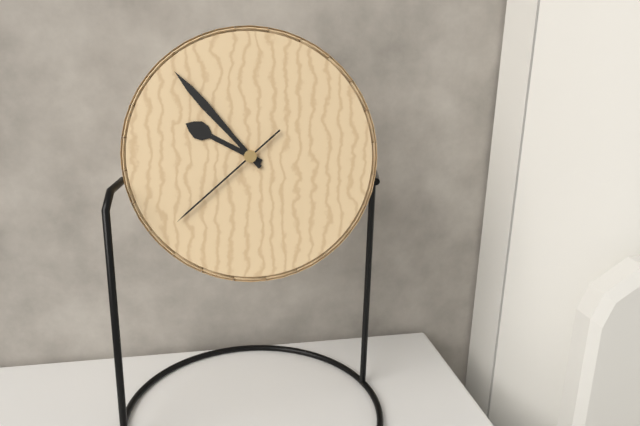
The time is 9,53,38
